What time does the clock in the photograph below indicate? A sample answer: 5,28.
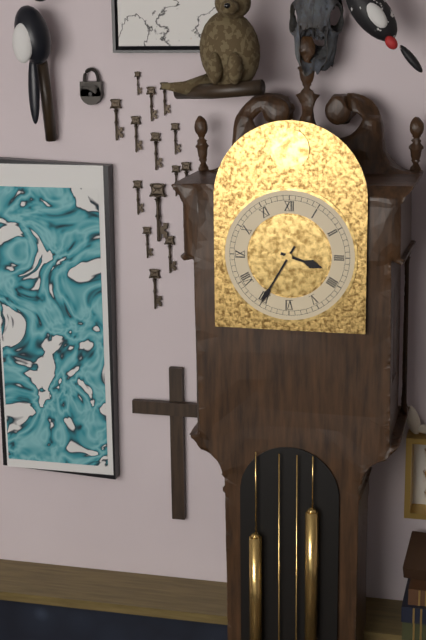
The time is 3,35
